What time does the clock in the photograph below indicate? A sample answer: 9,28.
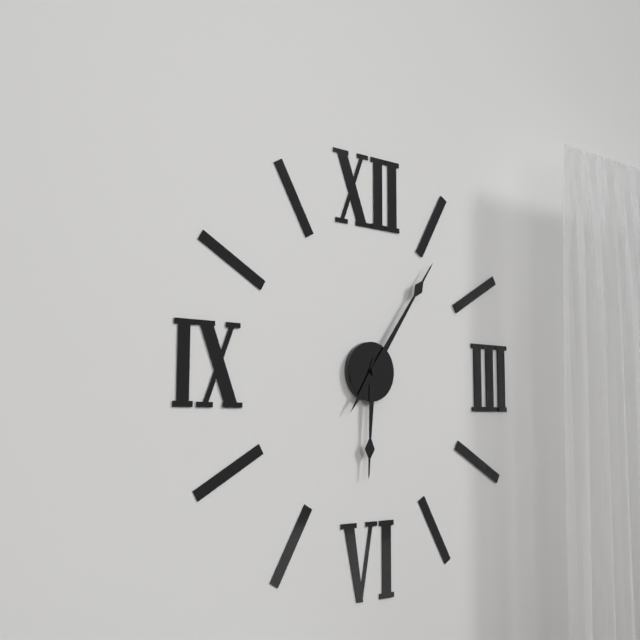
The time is 6,06
